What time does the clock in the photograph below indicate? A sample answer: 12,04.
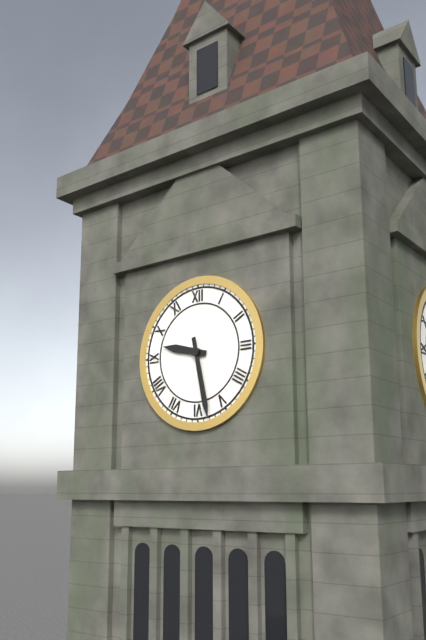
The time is 9,28
